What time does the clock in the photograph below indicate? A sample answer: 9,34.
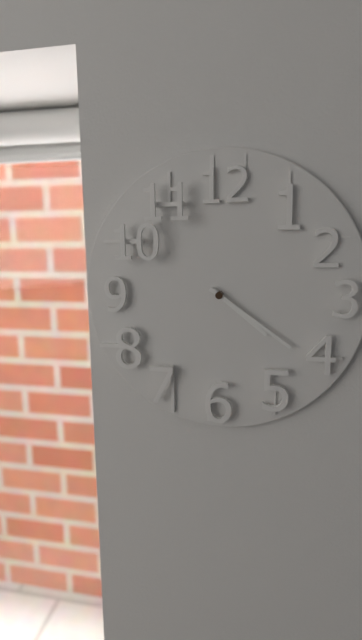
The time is 4,21
